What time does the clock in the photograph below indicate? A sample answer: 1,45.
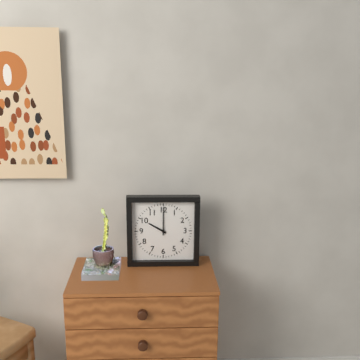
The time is 10,00
